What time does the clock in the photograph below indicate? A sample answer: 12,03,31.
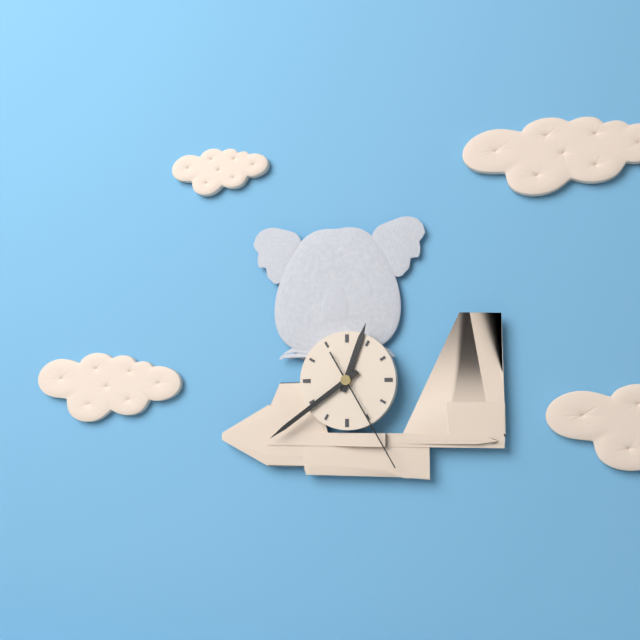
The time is 12,39,25
